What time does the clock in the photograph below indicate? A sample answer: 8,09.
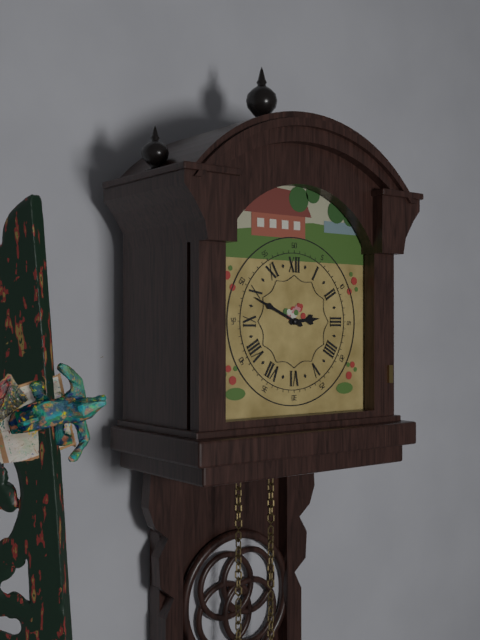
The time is 2,49
